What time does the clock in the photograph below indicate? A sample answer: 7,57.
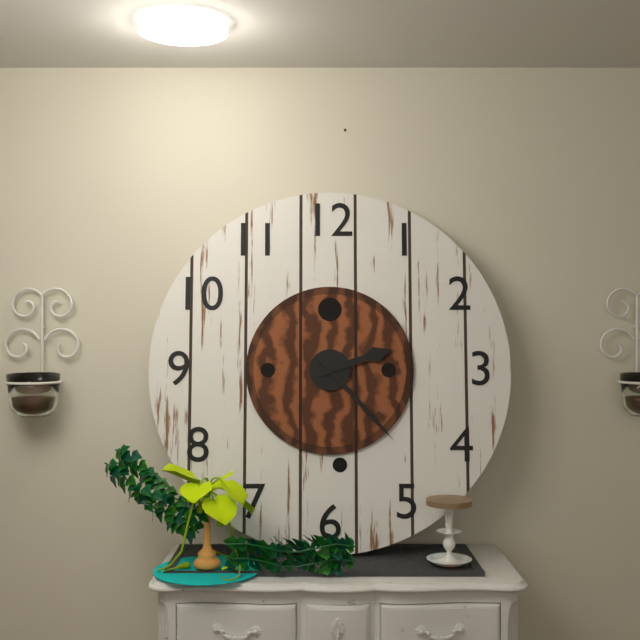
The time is 2,23
